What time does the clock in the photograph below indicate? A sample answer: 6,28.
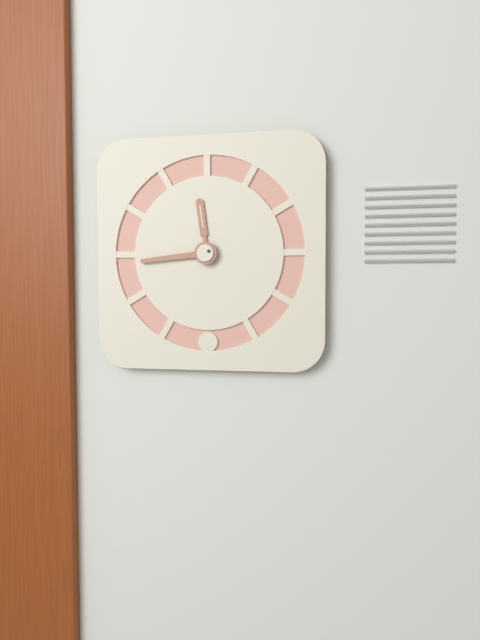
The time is 11,44
